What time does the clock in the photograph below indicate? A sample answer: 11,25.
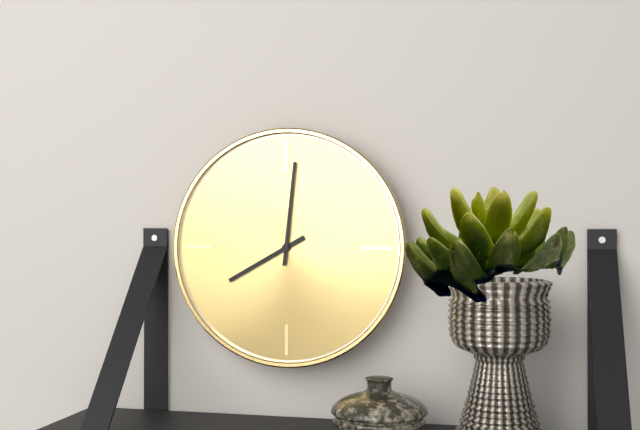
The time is 8,01
